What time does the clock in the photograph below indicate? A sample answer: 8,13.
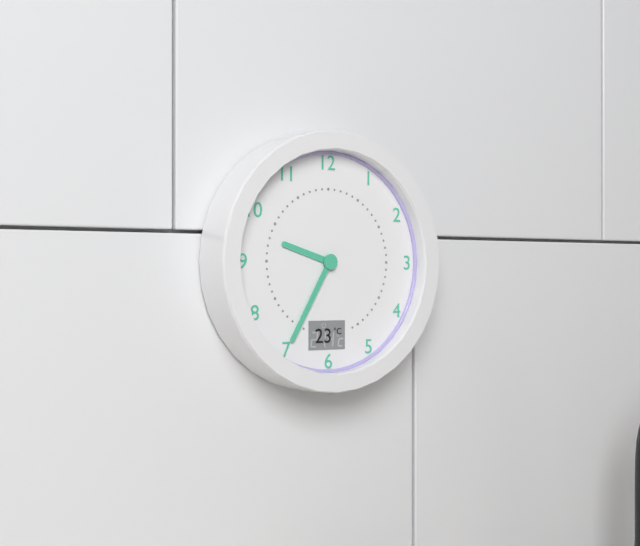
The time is 9,35
